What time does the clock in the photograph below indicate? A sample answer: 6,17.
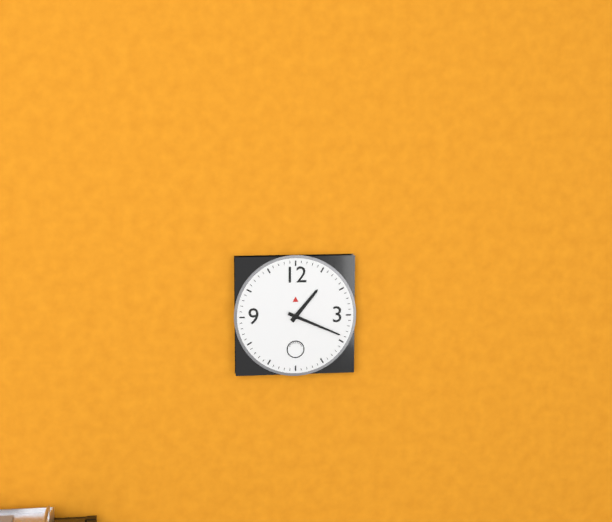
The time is 1,19
